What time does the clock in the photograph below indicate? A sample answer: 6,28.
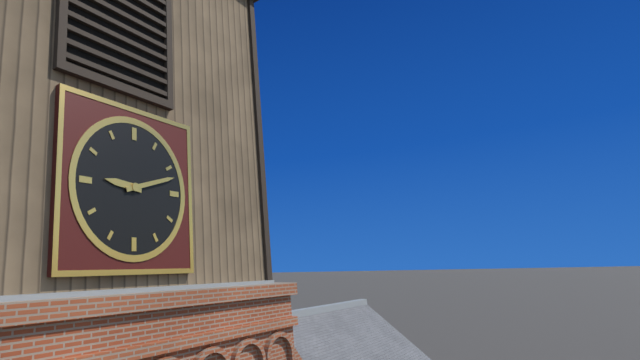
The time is 9,12
